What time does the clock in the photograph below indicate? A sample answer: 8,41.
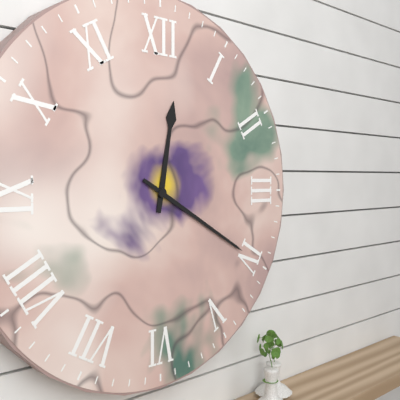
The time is 12,20
